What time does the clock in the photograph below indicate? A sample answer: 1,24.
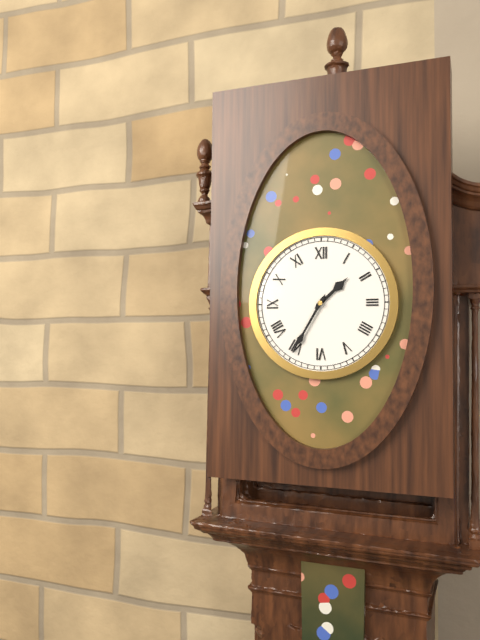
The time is 1,35
